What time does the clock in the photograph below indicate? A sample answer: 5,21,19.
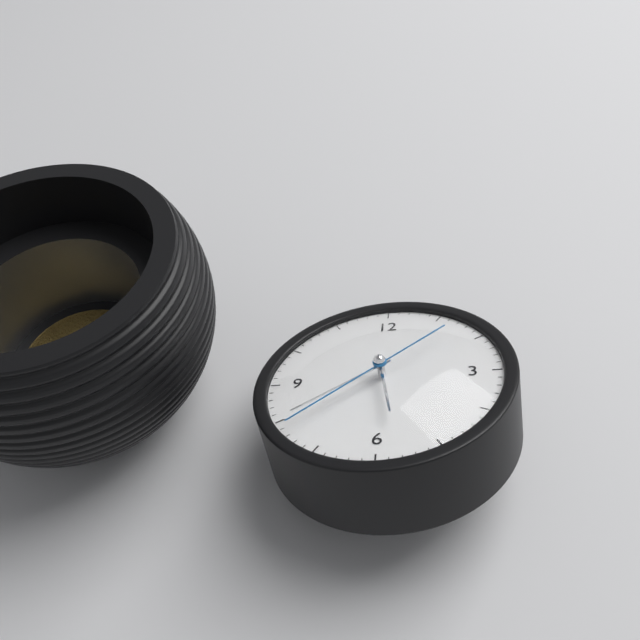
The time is 5,39,38
